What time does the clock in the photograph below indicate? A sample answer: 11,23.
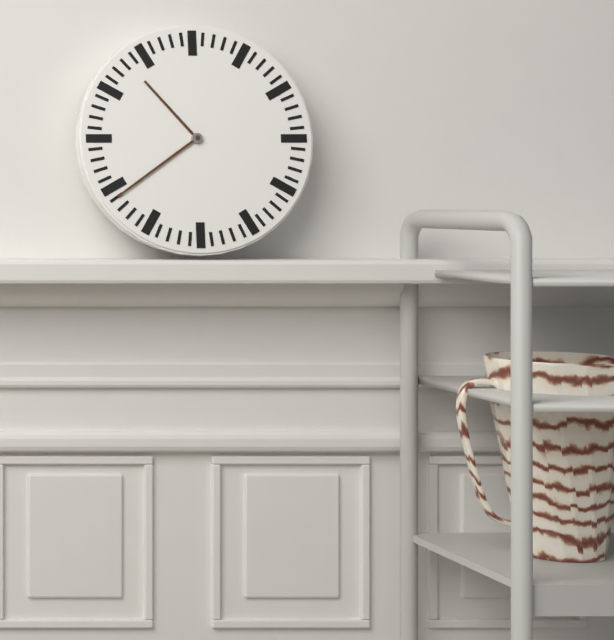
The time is 10,39
